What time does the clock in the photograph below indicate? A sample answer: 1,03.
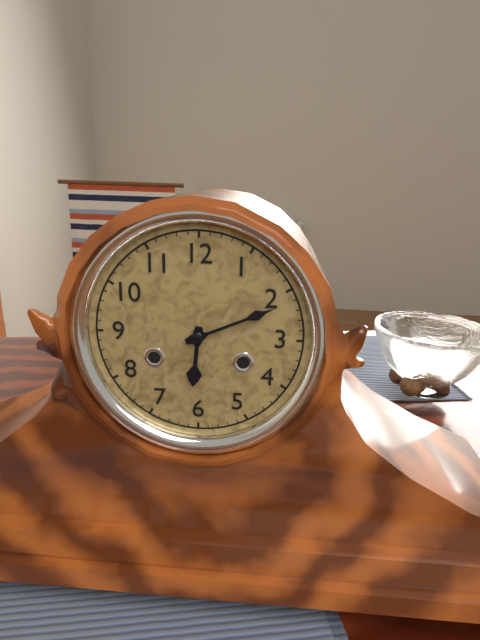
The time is 6,11
